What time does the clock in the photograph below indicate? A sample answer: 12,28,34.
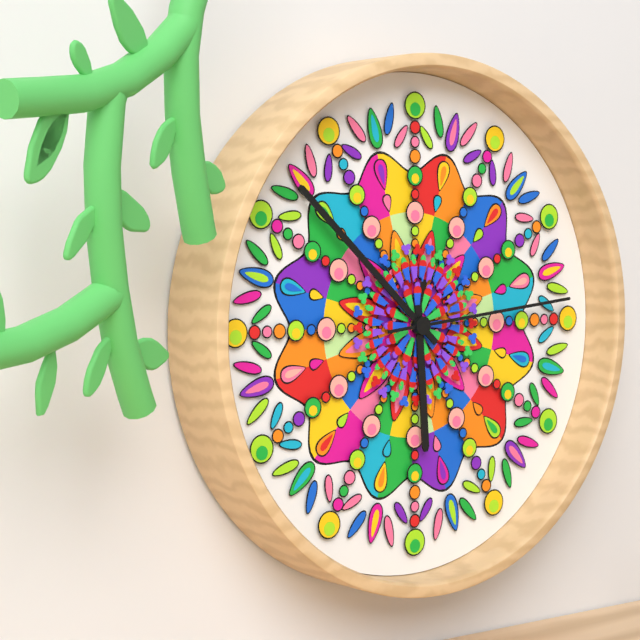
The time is 5,52,14
